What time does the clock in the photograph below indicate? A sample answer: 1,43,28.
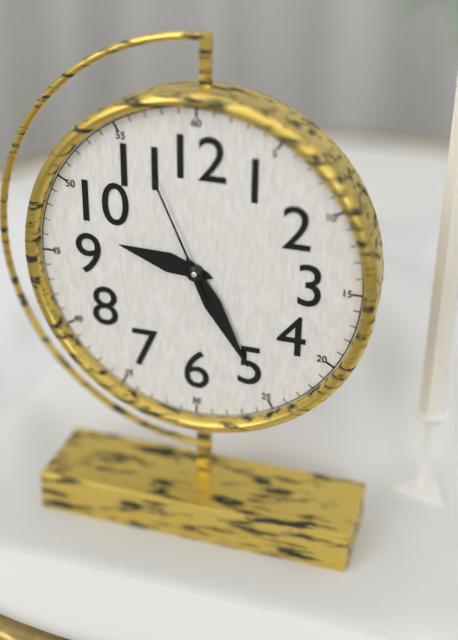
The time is 9,25,56
